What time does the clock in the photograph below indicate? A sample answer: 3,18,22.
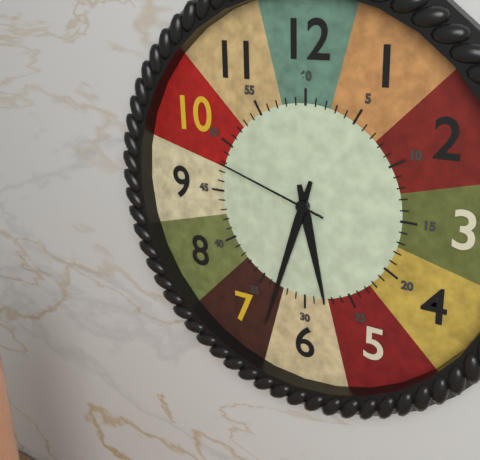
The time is 5,33,48
